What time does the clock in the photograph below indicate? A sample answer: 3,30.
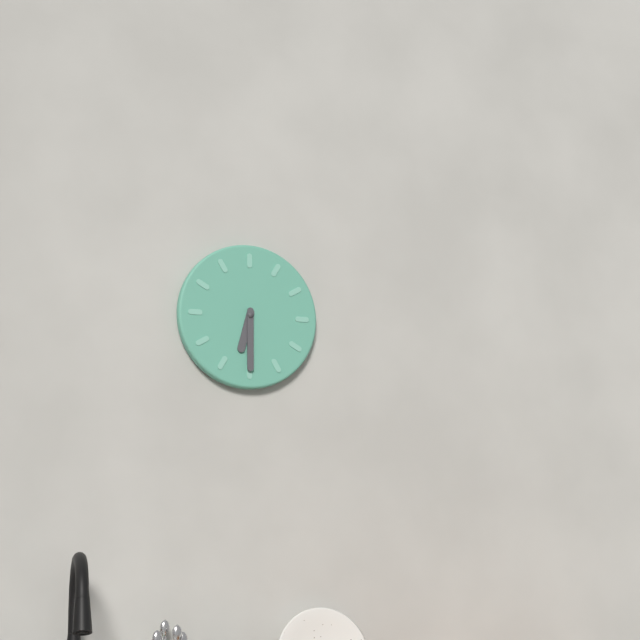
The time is 6,30
